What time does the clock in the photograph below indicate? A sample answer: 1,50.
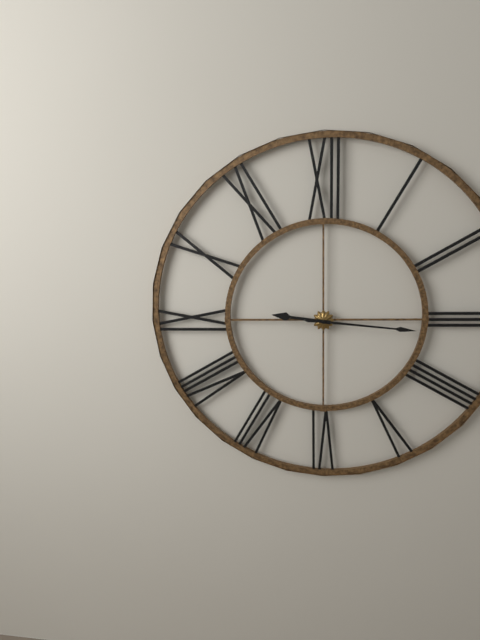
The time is 9,16
